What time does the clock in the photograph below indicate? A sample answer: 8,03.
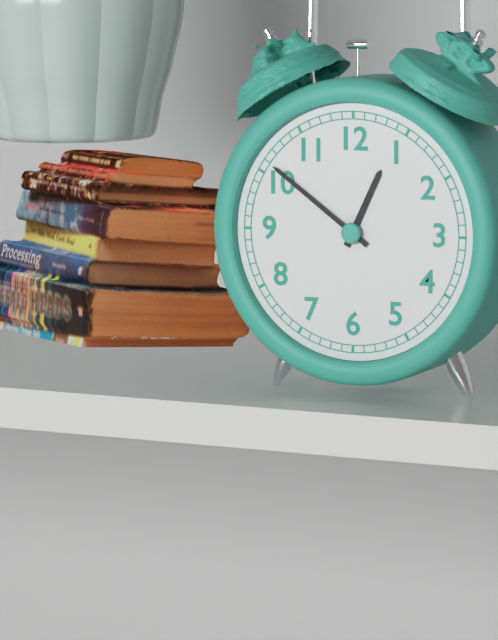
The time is 12,51
